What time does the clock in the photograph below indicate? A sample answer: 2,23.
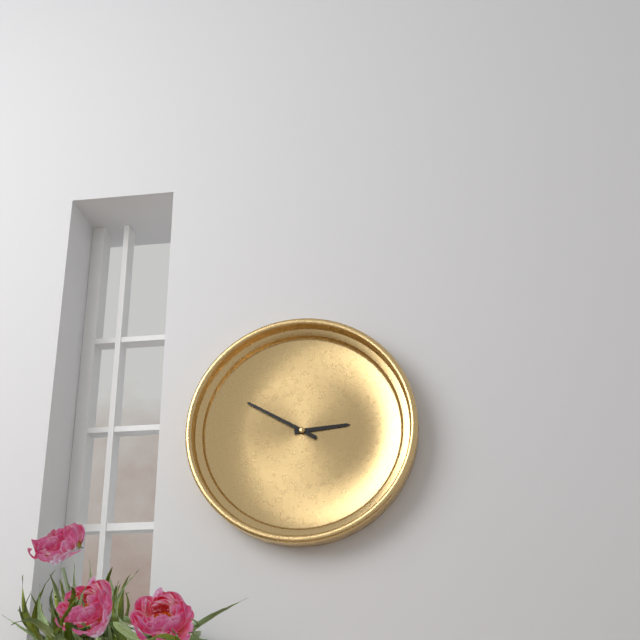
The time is 2,50
